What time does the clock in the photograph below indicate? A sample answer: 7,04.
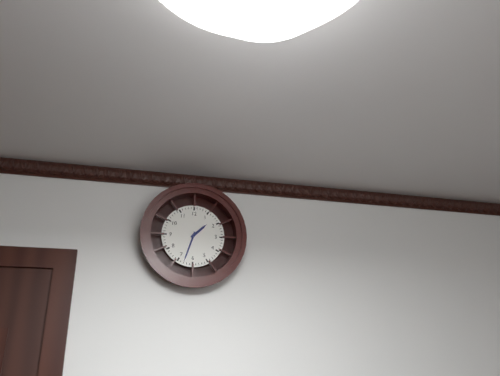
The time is 1,33
